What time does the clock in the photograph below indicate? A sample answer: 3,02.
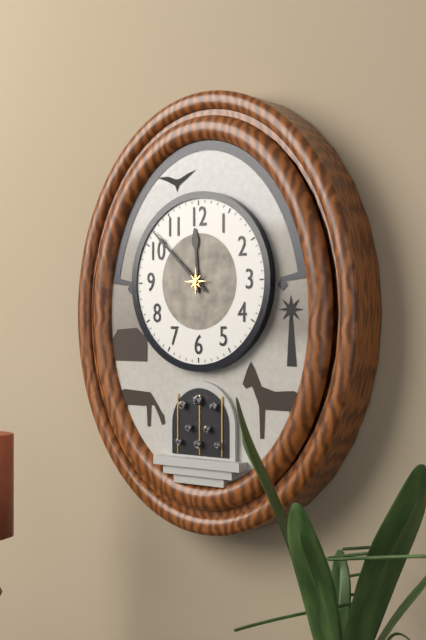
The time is 11,52
